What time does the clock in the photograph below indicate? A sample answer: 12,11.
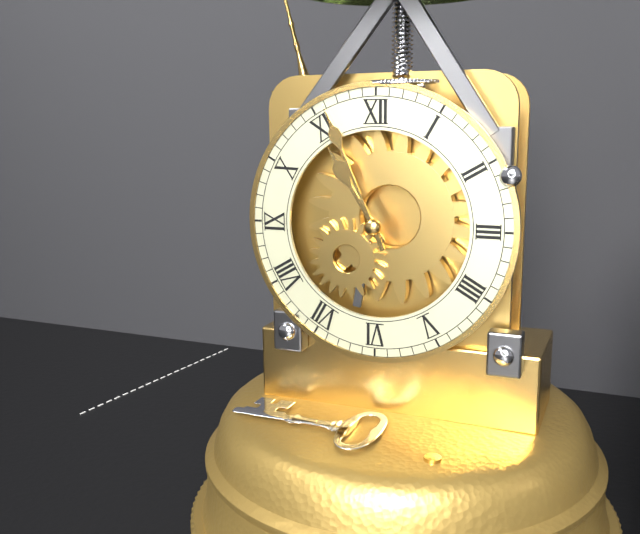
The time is 10,56
